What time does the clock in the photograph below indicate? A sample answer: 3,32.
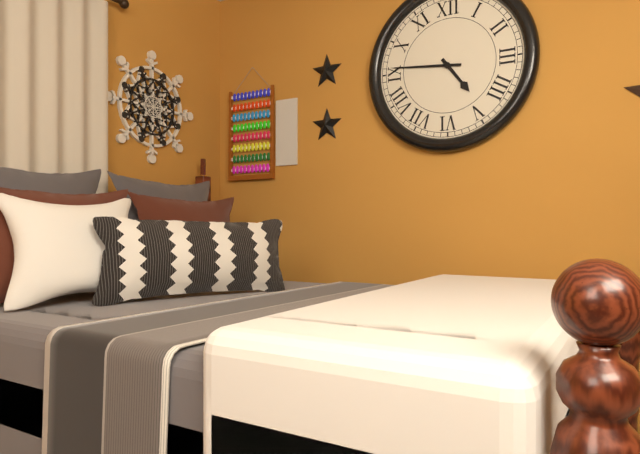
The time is 4,46
